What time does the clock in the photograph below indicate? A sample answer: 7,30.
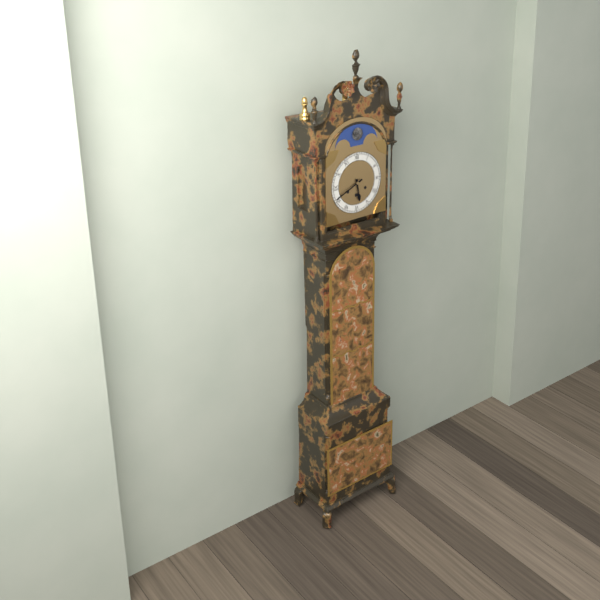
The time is 5,41
